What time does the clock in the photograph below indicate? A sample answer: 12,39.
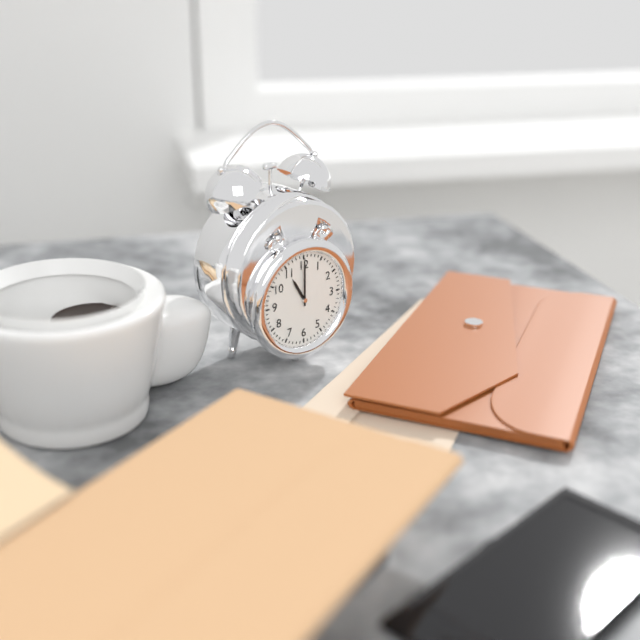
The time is 11,00
